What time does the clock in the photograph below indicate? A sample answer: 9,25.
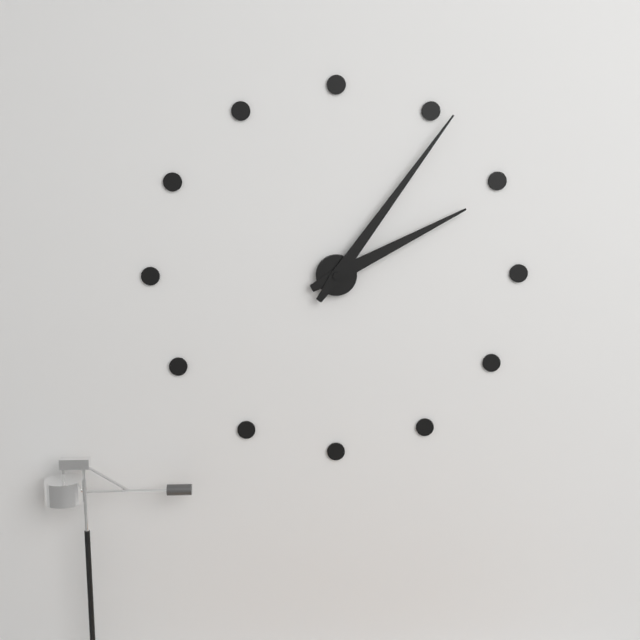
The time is 2,06
